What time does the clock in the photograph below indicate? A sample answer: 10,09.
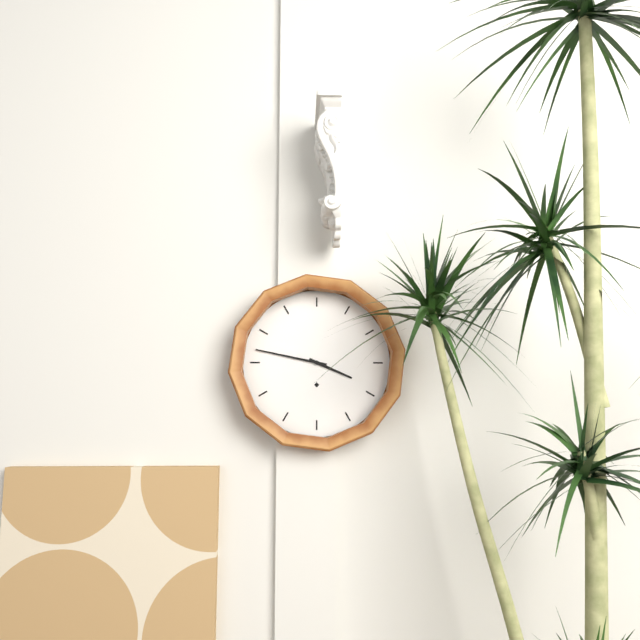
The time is 3,47
